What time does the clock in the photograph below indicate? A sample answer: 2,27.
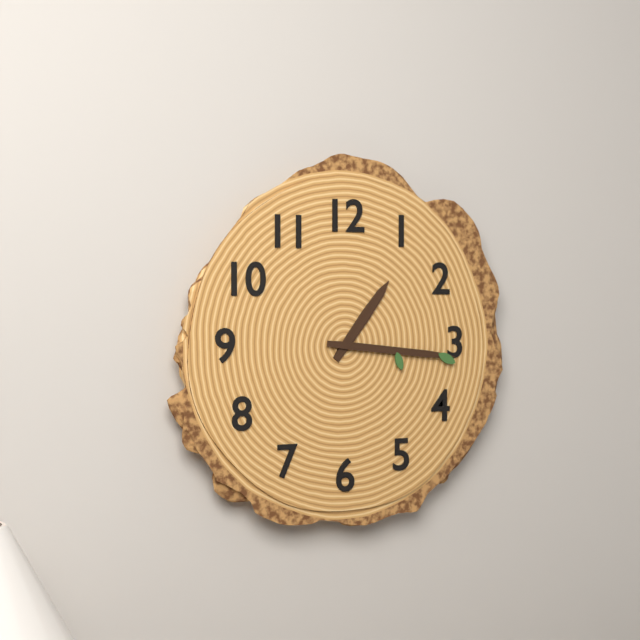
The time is 1,16
